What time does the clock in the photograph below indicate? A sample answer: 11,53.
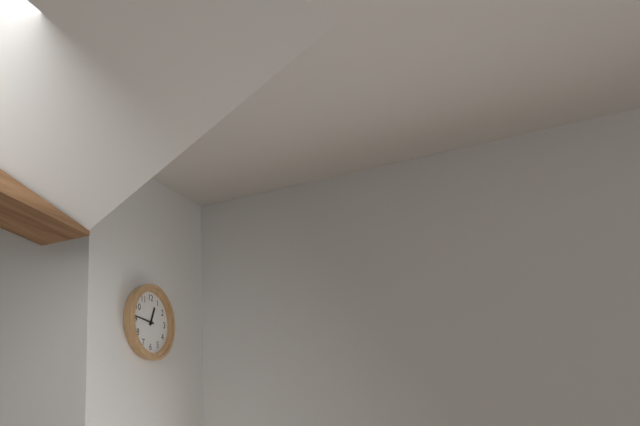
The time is 12,46
